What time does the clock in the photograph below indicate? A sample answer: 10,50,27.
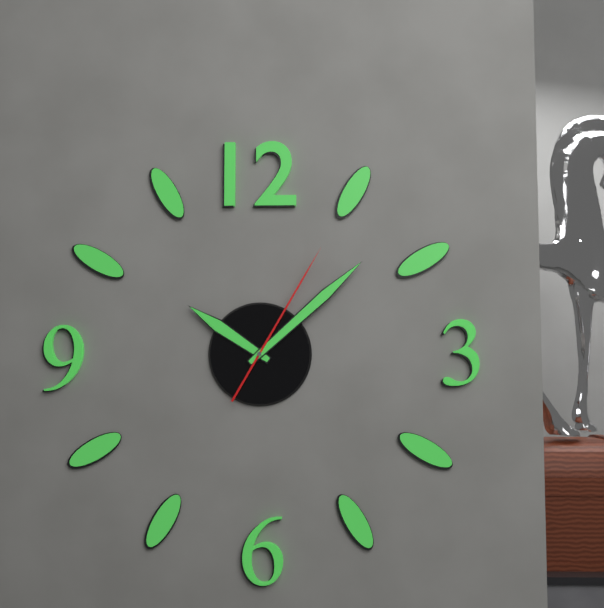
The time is 10,08,05
